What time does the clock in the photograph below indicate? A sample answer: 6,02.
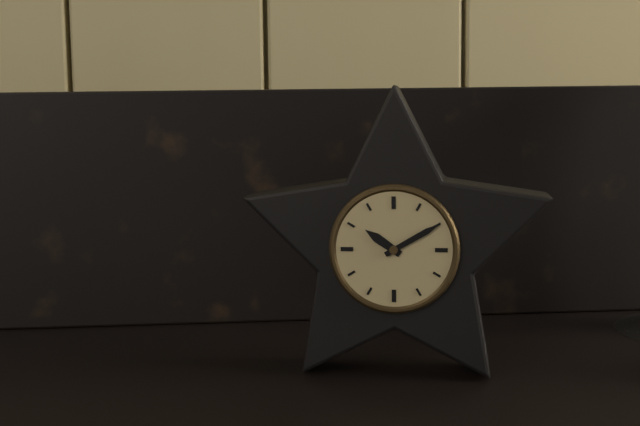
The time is 10,10
